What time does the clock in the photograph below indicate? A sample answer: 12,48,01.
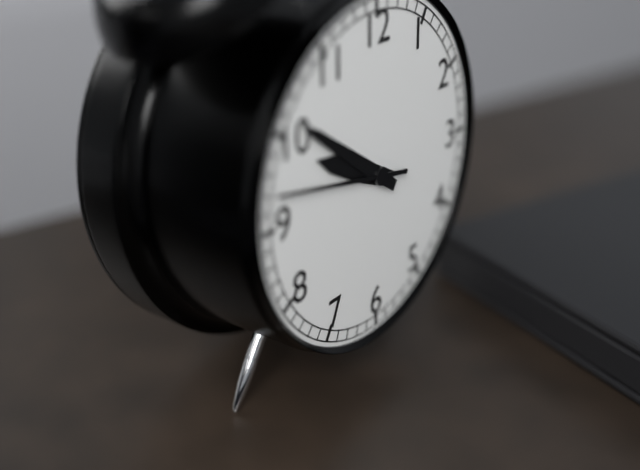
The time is 9,51,47
